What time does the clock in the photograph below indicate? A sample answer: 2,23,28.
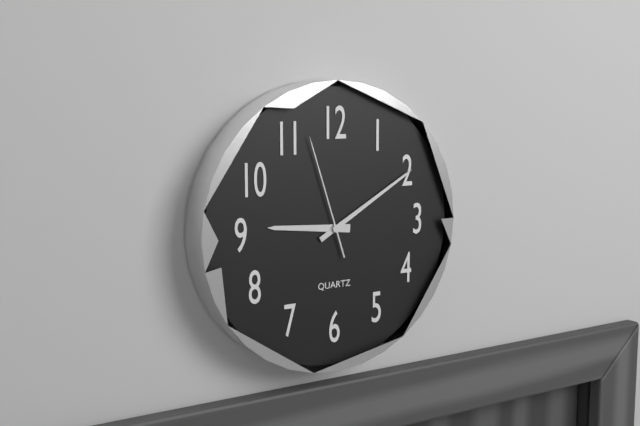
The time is 9,10,57
